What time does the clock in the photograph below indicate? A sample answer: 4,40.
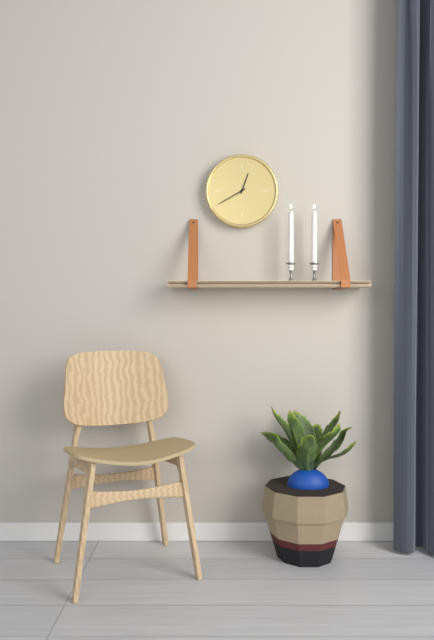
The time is 12,40
